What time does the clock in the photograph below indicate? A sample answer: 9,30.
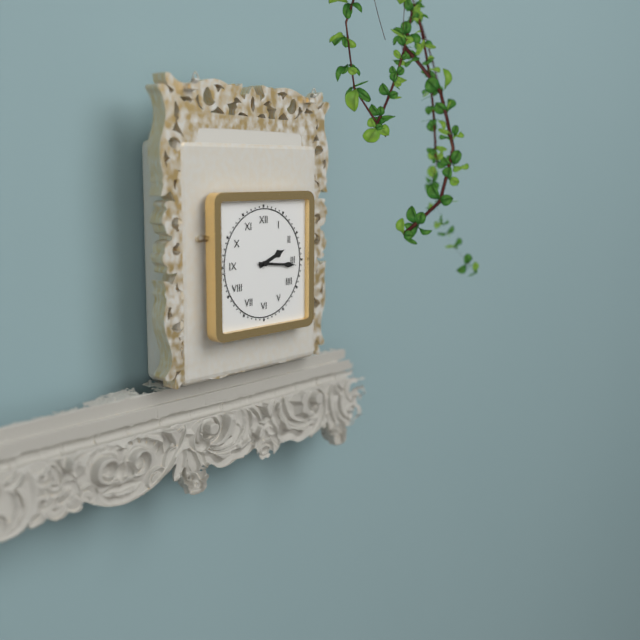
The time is 2,16
